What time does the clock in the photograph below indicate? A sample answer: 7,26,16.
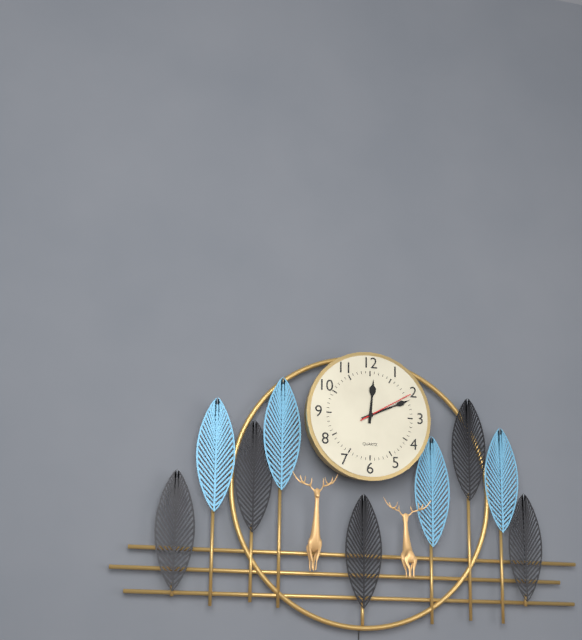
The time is 12,11,10
